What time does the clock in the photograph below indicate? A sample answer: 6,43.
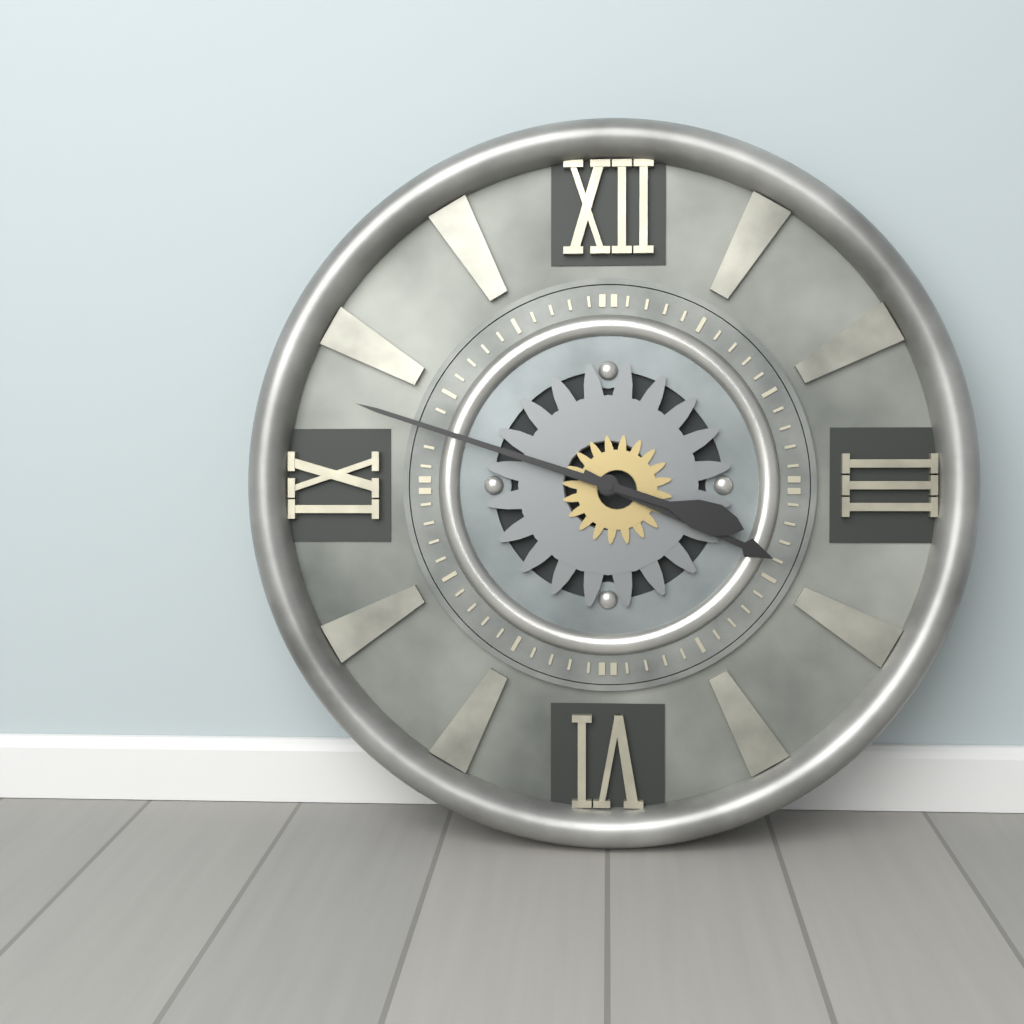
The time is 3,48
